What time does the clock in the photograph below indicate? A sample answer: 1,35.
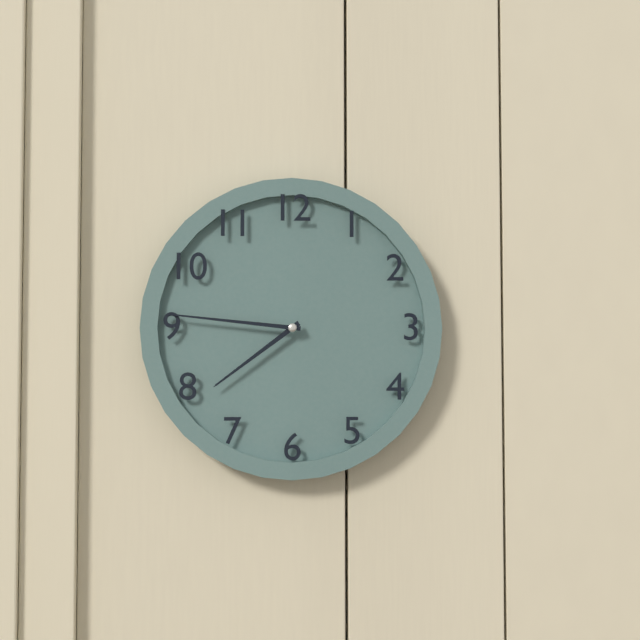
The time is 7,46
